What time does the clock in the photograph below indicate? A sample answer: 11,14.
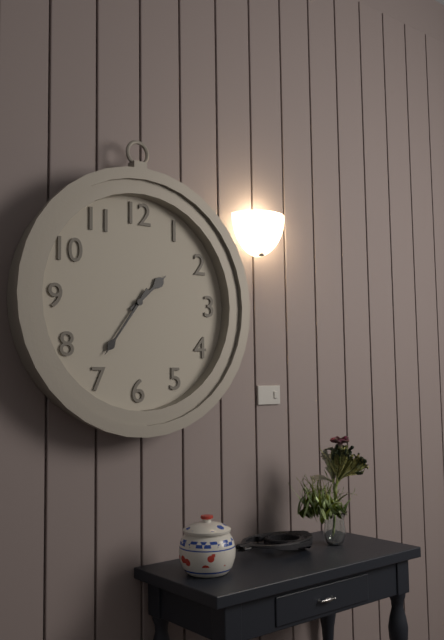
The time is 1,36
